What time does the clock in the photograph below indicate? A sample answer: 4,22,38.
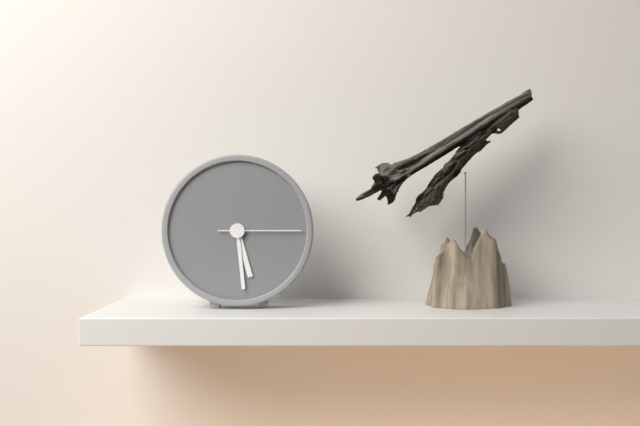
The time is 5,29,15
